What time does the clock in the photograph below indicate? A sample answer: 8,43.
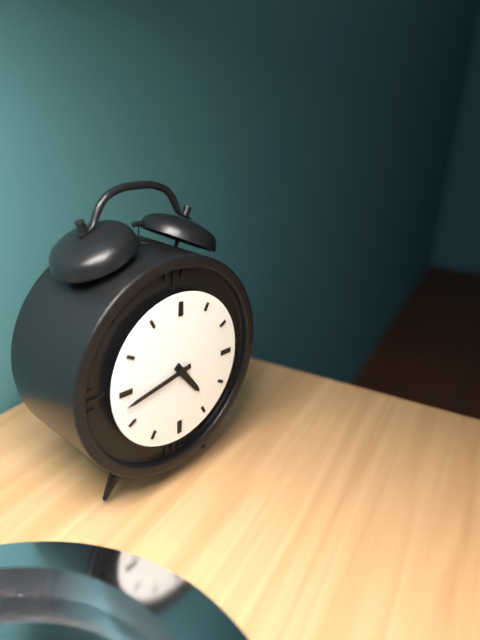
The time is 4,43
